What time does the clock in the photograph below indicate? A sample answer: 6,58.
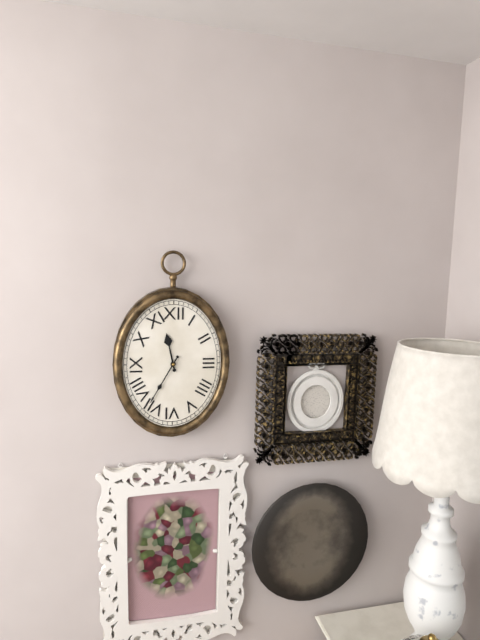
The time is 11,35
